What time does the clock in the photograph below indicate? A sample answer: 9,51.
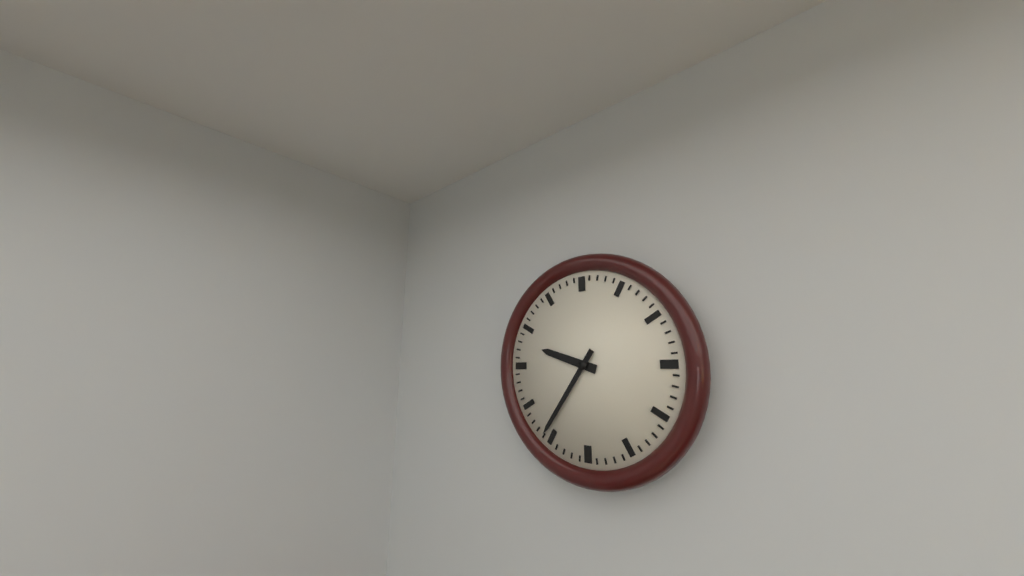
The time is 9,36
